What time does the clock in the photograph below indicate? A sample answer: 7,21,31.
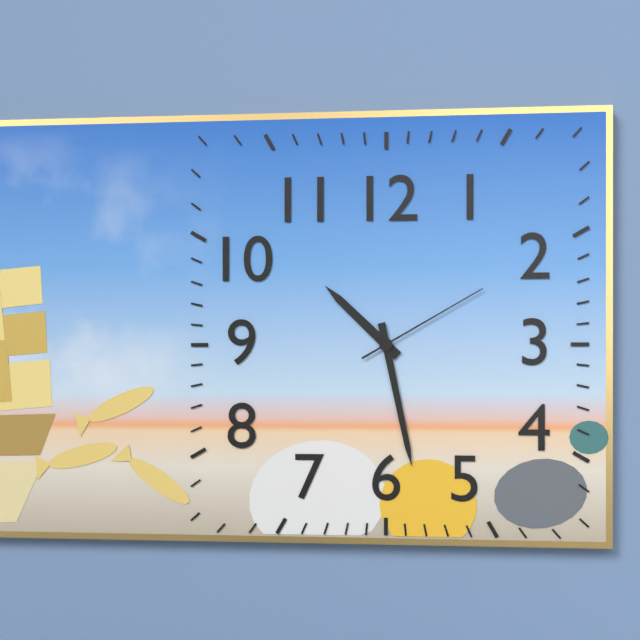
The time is 10,28,10
